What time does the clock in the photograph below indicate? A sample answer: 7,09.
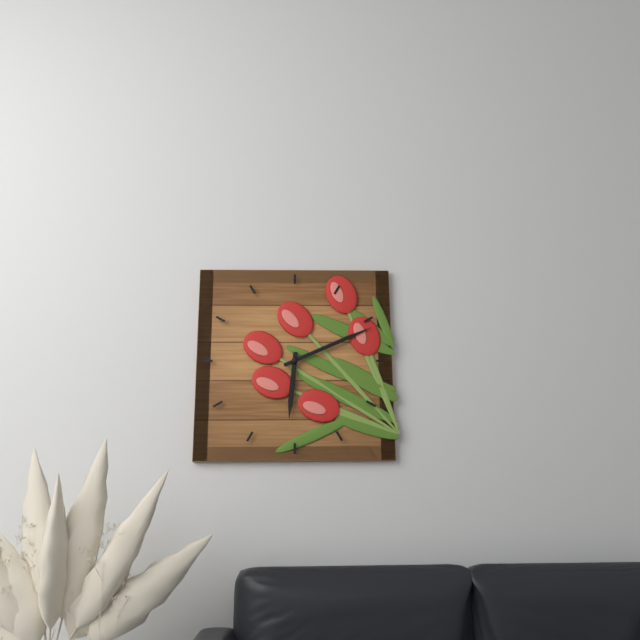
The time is 6,11
